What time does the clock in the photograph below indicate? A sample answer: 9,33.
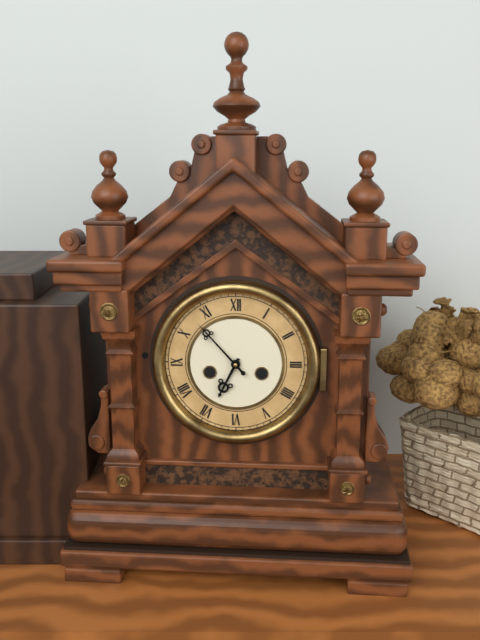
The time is 6,53
